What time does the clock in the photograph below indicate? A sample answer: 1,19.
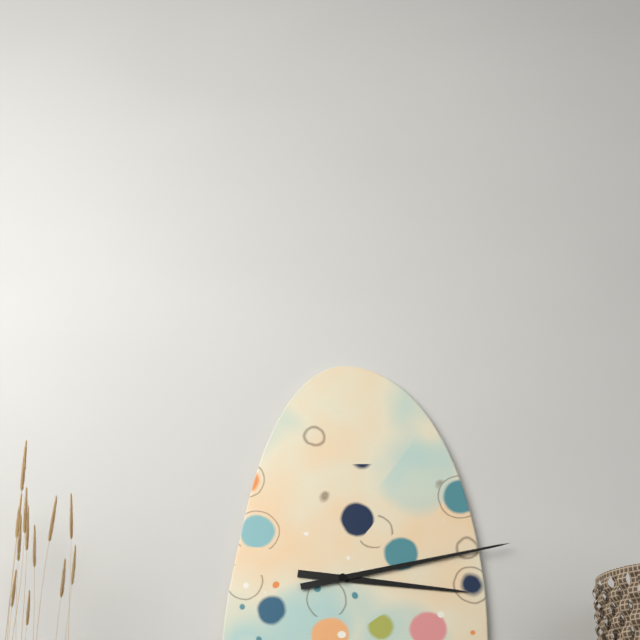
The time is 3,13
